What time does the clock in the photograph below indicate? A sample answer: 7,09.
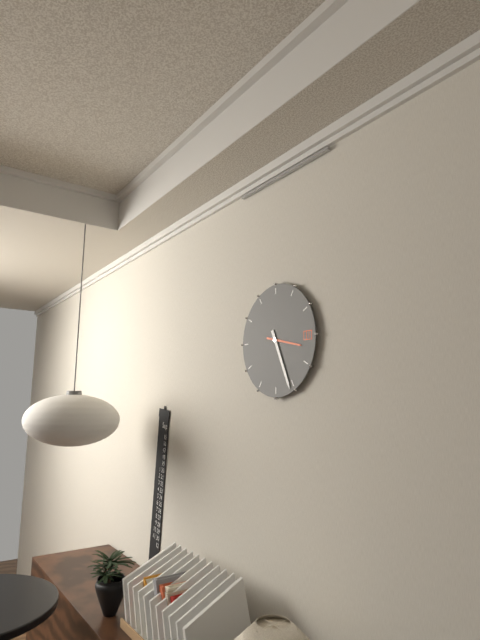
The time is 3,26
